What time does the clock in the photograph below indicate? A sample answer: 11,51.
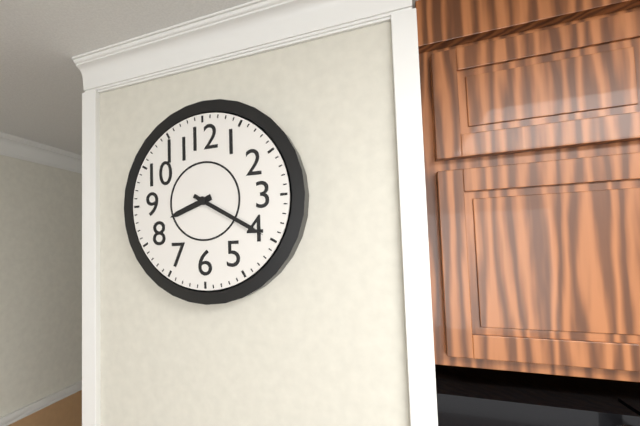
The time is 8,20
